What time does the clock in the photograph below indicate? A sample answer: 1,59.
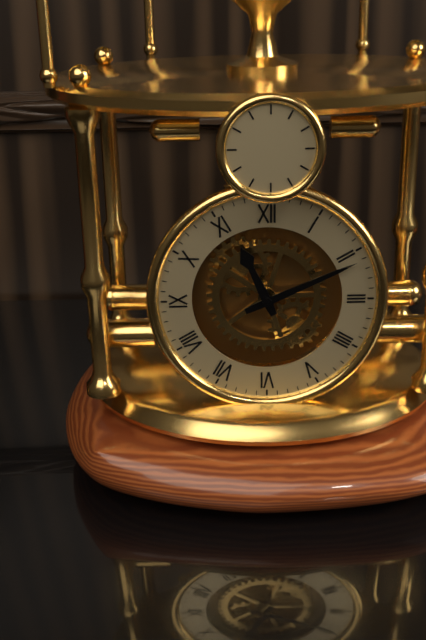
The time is 11,11
